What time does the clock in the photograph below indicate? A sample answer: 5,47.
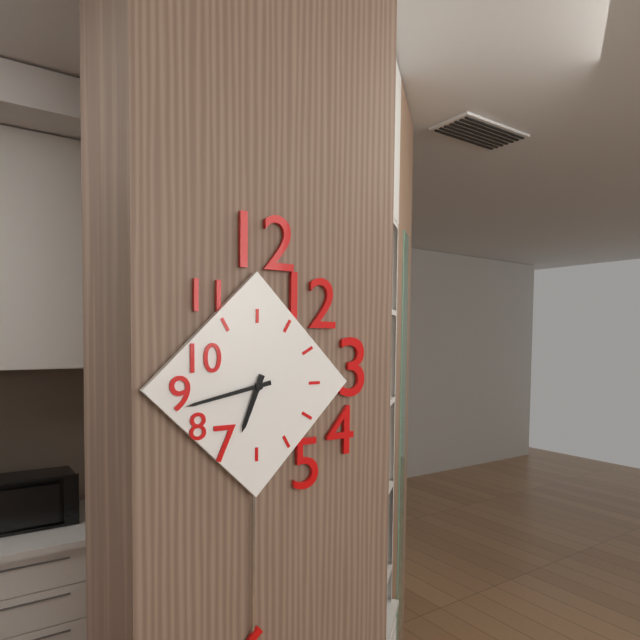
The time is 6,43
